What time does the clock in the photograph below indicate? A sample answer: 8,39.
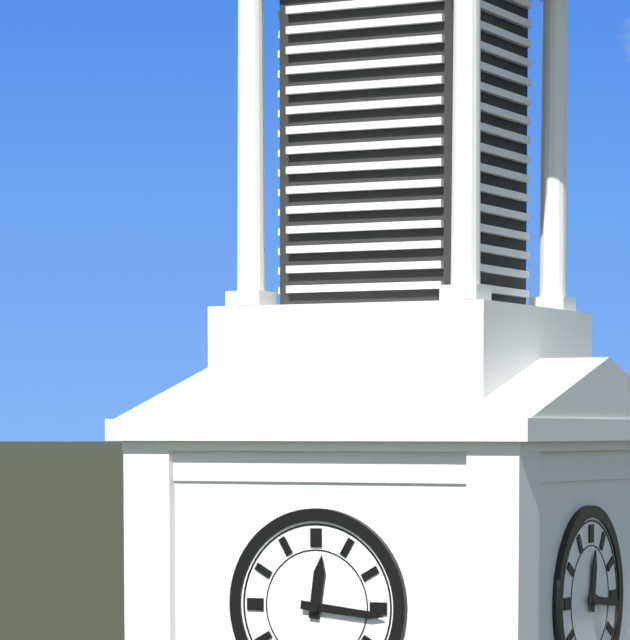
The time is 12,16
